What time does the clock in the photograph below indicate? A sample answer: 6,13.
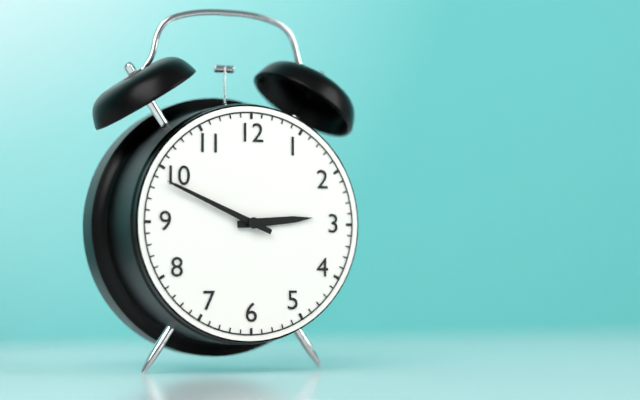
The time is 2,49
